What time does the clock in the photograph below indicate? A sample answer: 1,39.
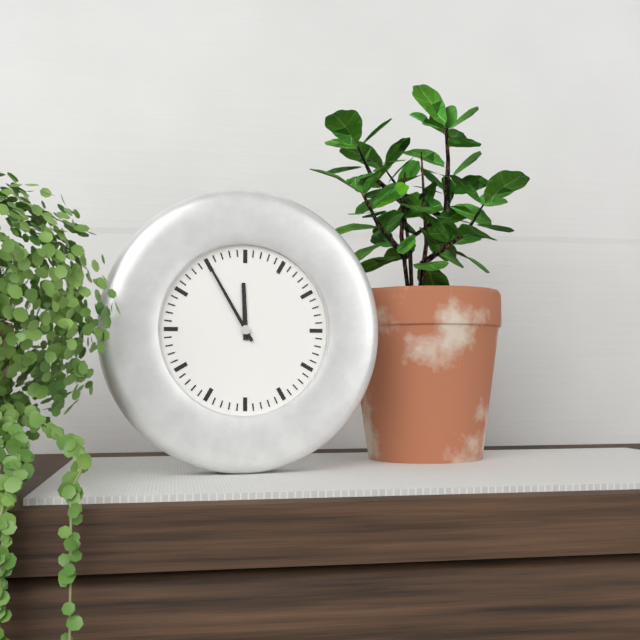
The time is 11,55
